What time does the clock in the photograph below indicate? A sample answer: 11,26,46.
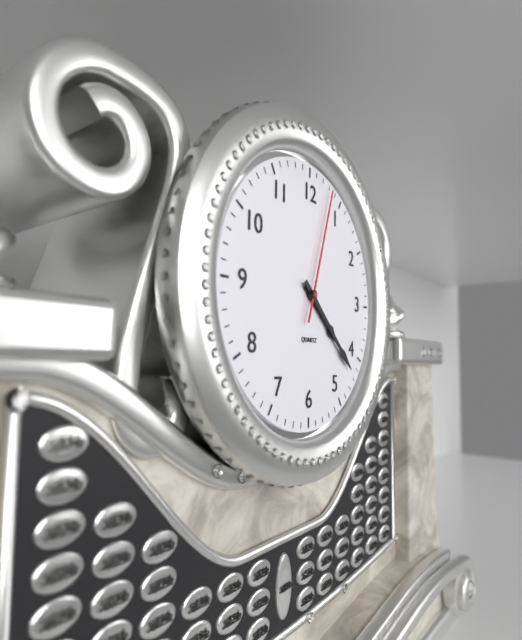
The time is 4,22,03
